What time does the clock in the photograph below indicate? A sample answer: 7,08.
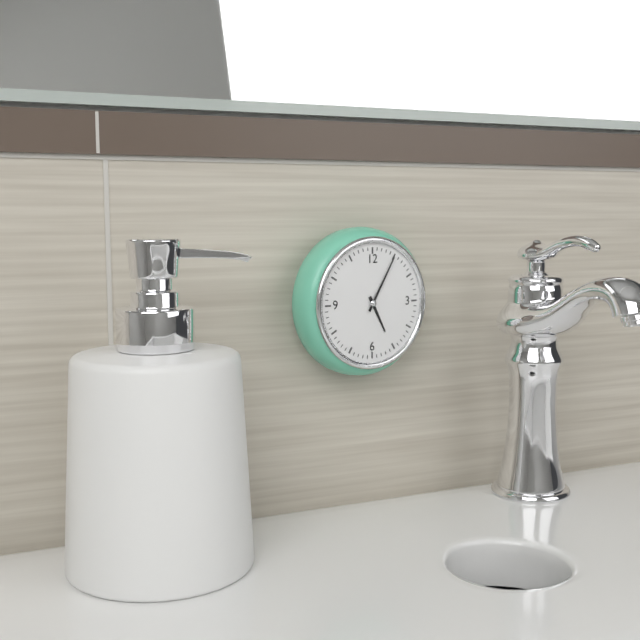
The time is 5,05
